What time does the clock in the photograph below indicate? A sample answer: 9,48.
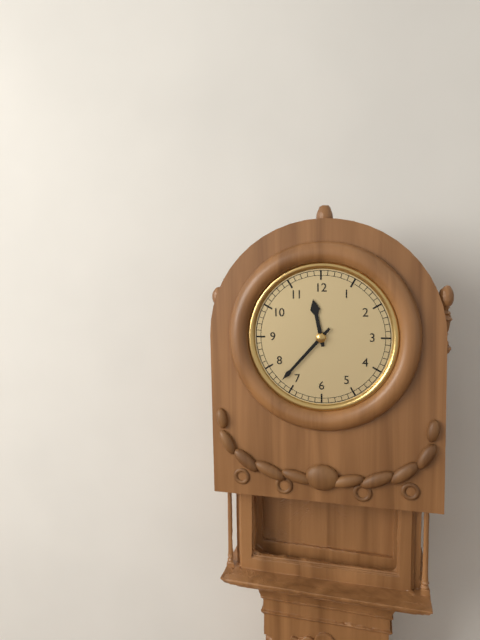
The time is 11,37
